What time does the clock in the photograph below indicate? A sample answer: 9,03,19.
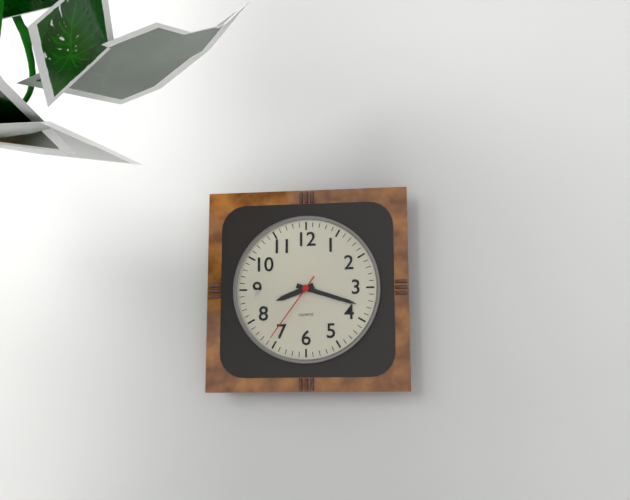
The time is 8,18,36
